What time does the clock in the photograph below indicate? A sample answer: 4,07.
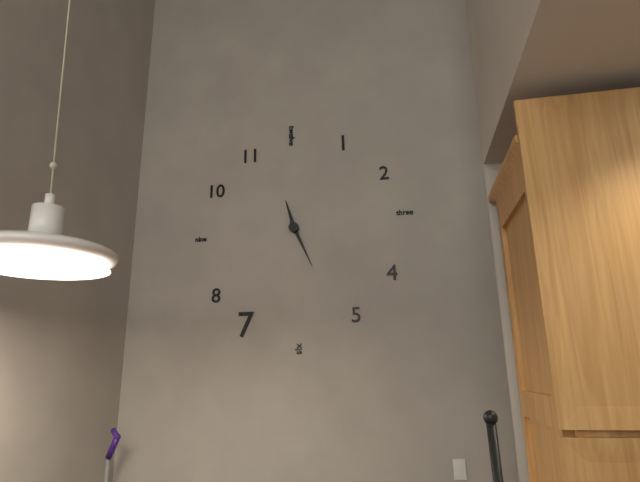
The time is 11,26
